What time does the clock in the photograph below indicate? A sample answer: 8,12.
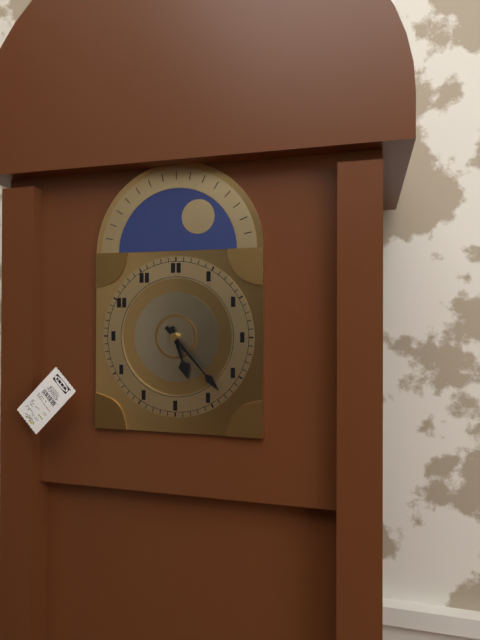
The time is 5,23
